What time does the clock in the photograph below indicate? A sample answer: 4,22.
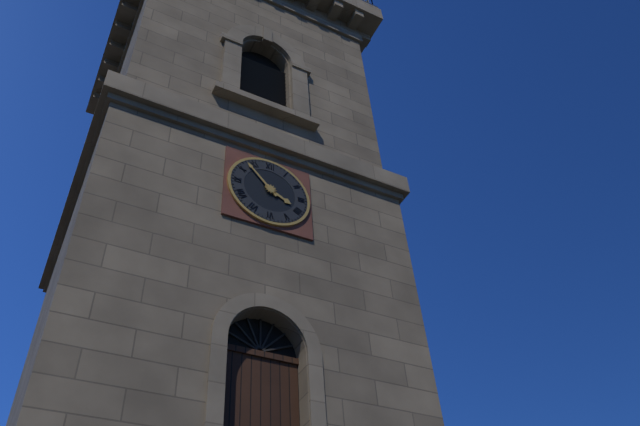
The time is 3,53
